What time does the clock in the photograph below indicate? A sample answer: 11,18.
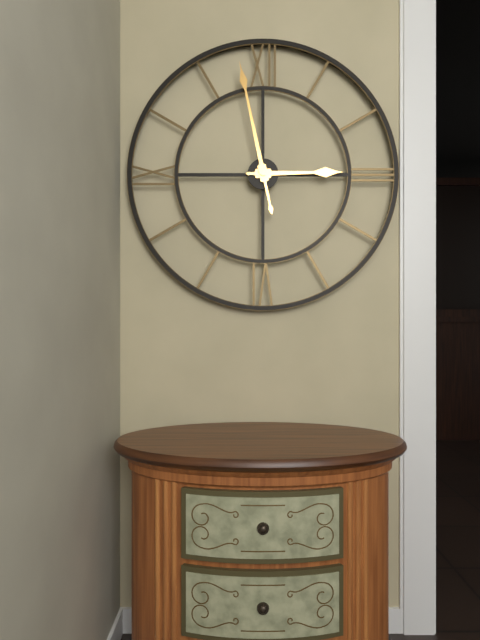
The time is 2,58
